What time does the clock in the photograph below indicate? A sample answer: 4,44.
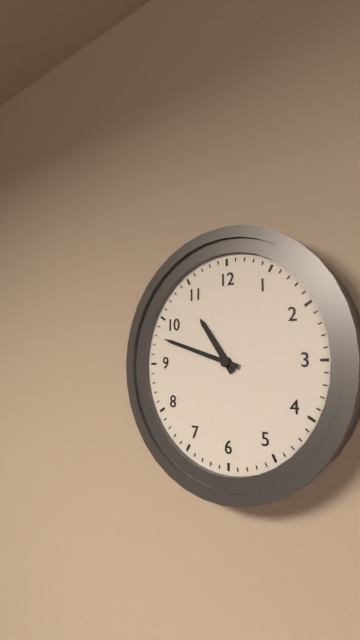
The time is 10,48
